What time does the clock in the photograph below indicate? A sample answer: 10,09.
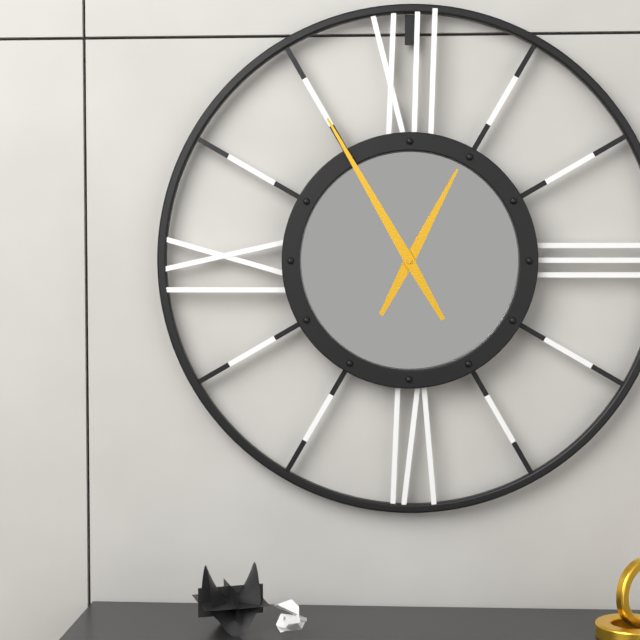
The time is 12,55
